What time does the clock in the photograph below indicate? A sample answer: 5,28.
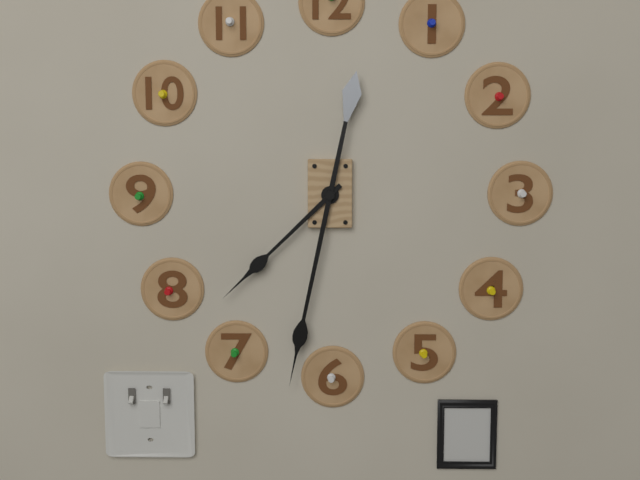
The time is 7,32
